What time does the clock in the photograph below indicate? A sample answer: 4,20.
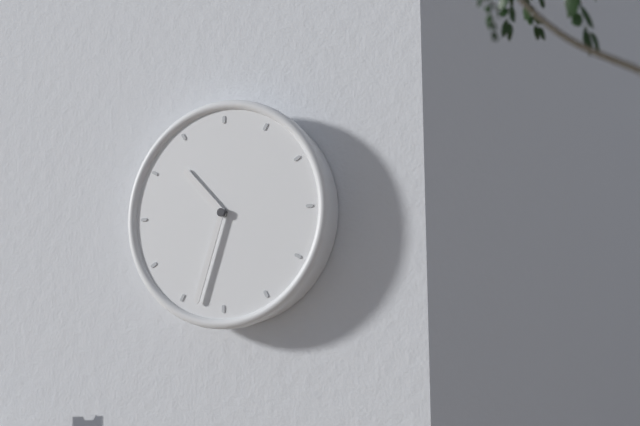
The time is 10,33
